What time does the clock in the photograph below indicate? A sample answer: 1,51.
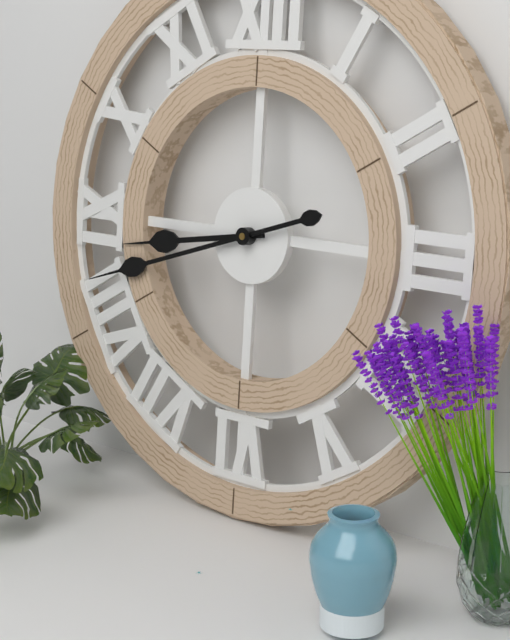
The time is 8,42
